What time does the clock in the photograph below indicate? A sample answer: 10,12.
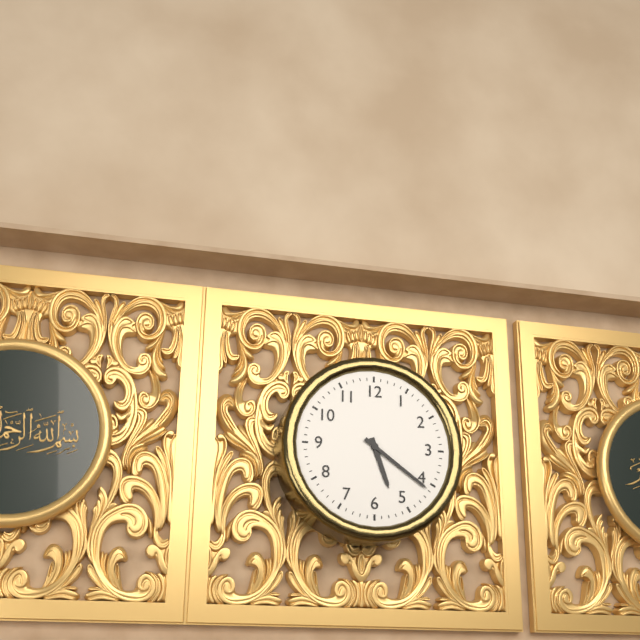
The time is 5,21
